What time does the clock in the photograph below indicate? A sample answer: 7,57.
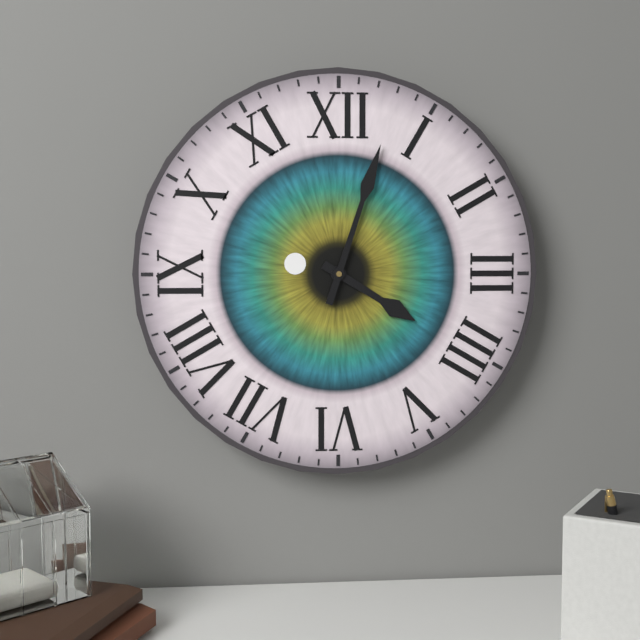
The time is 4,03
